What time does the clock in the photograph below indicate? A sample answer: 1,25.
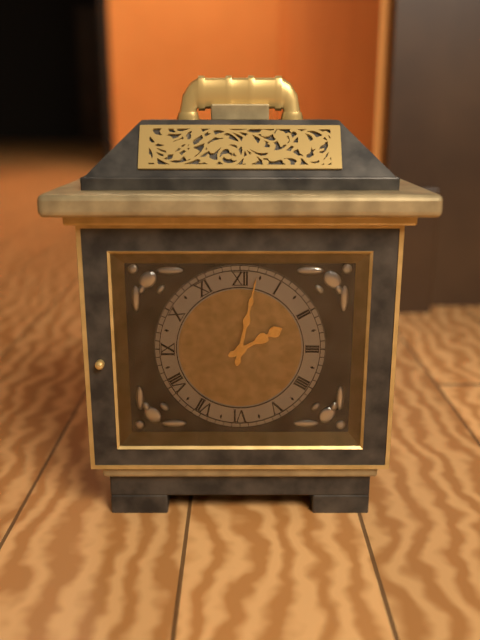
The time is 2,02
